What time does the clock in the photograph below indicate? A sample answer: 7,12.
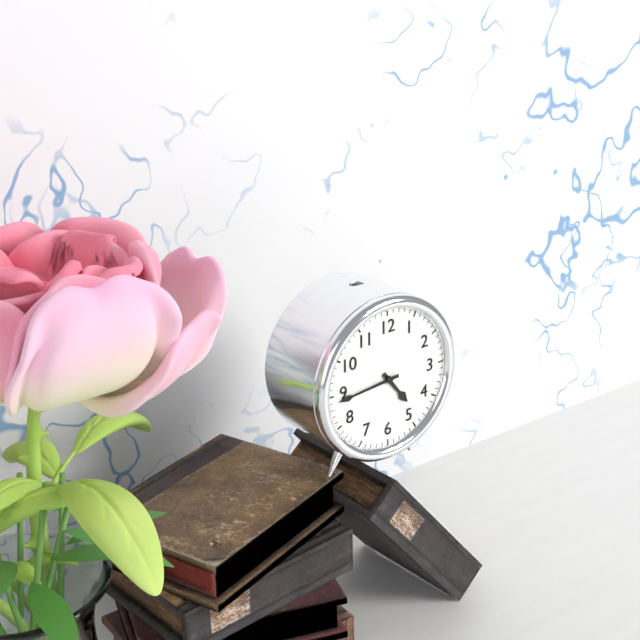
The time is 4,44
